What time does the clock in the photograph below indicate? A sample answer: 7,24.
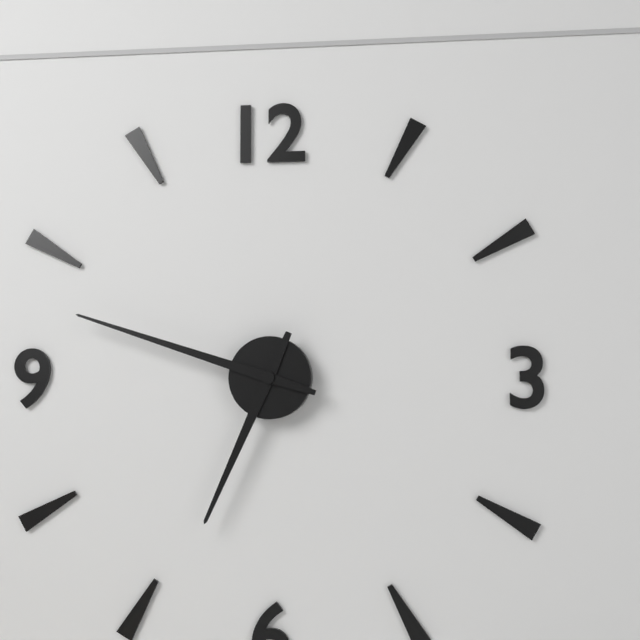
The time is 6,48
